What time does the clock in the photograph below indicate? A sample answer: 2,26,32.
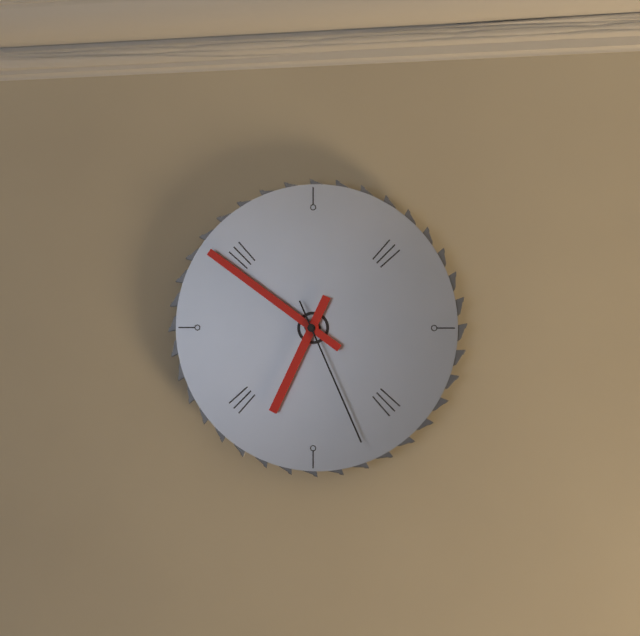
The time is 6,51,26
